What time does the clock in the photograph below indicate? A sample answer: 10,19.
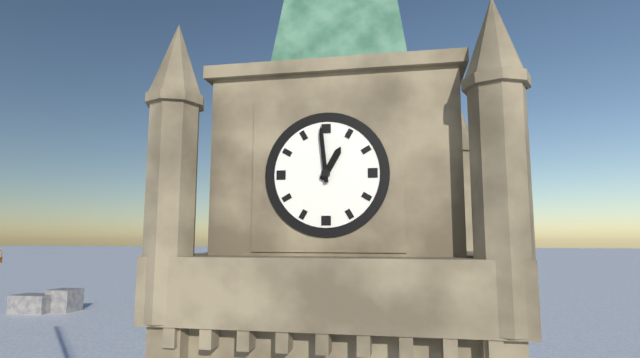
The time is 12,59
